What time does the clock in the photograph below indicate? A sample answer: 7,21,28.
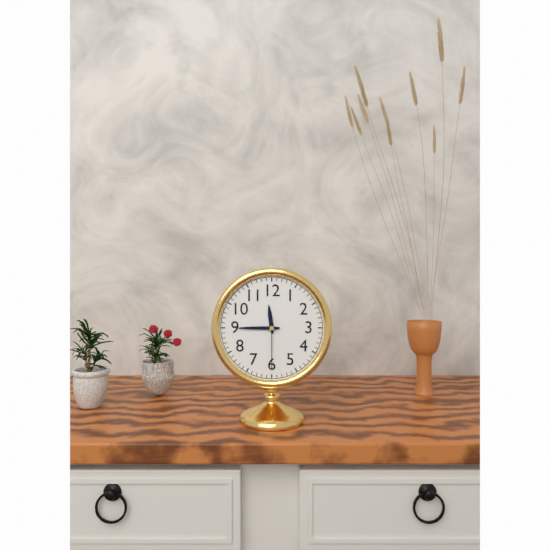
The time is 11,45,30
